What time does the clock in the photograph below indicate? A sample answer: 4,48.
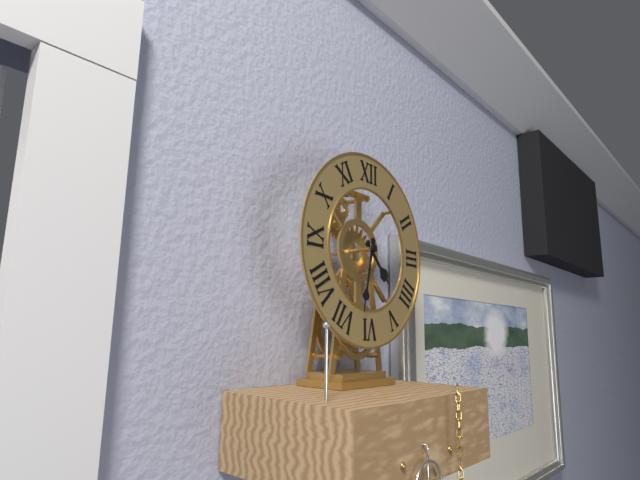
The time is 4,32
